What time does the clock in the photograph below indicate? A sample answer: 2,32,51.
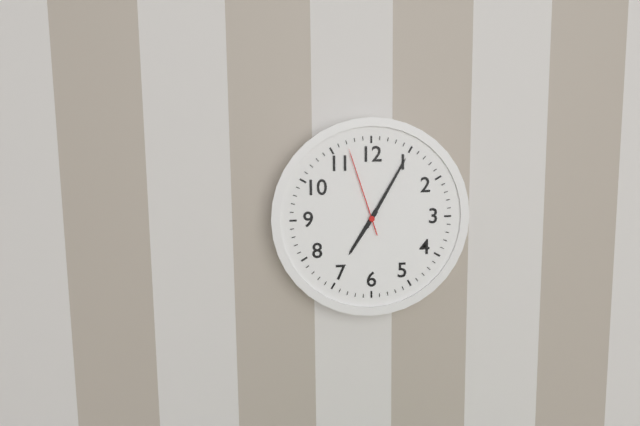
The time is 7,05,57
